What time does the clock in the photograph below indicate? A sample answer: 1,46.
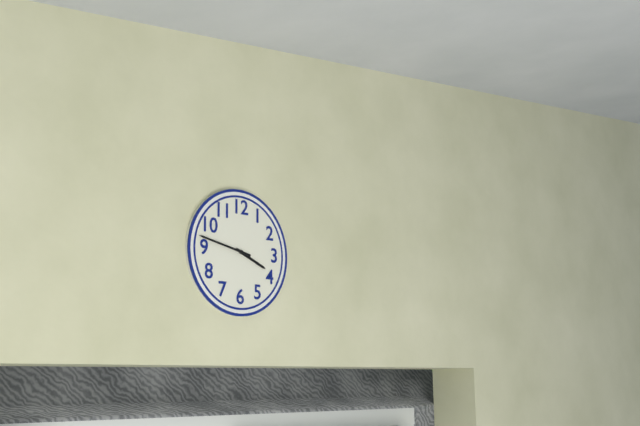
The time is 3,47
